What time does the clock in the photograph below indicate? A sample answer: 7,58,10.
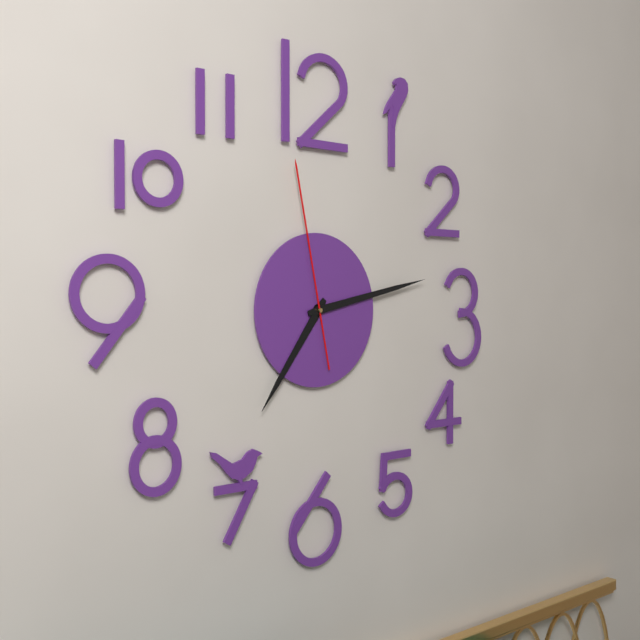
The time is 7,13,58
